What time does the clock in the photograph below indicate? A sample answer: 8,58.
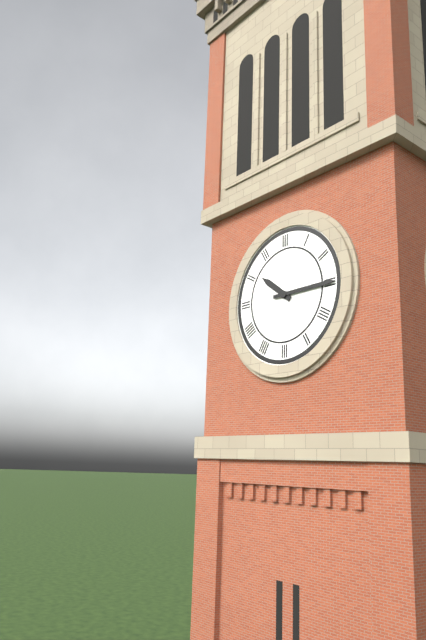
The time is 10,15
